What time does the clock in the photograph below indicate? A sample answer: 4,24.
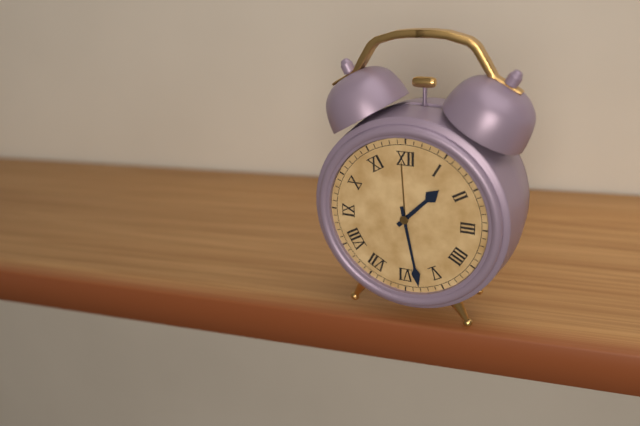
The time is 1,28
